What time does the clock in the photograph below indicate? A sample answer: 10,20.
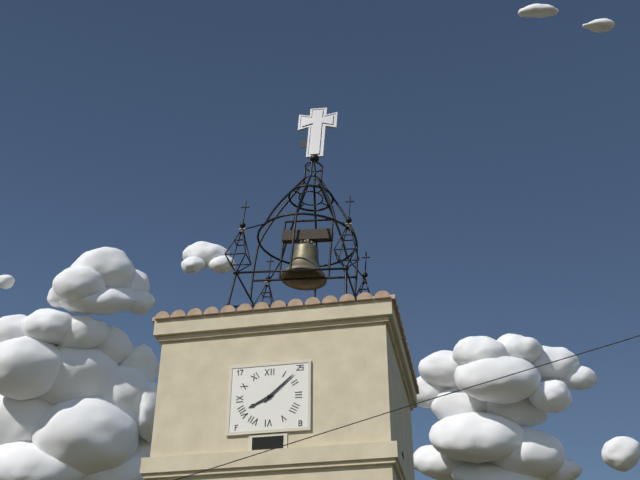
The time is 8,08
